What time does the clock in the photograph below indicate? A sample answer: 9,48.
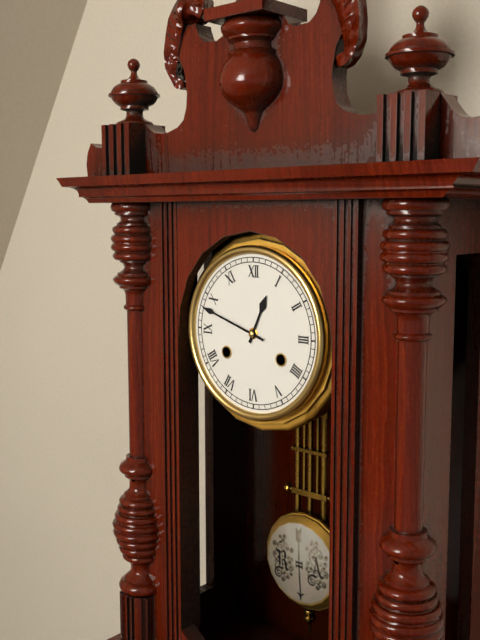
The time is 12,48
